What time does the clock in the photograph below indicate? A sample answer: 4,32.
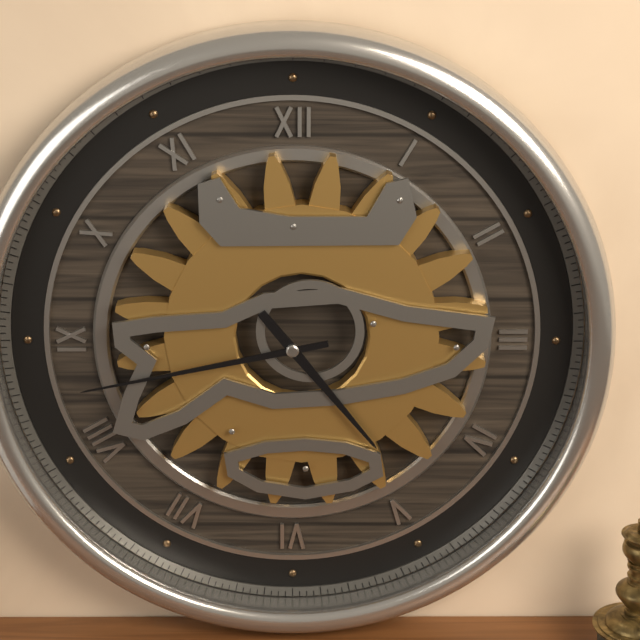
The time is 4,43
